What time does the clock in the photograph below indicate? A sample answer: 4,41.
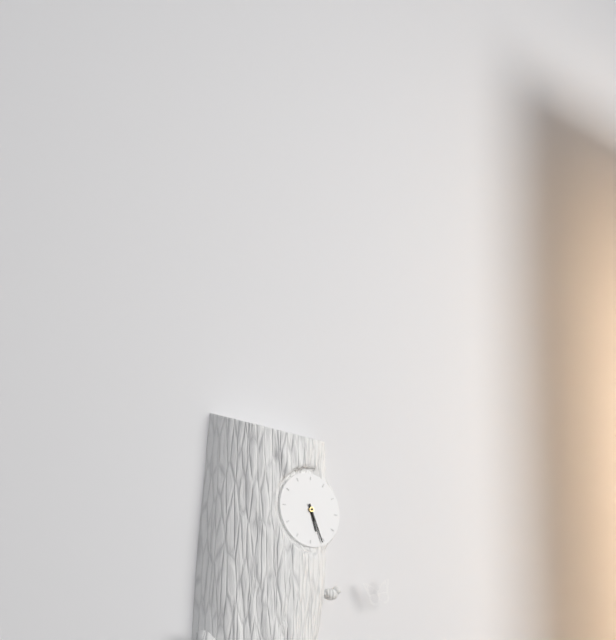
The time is 5,26
